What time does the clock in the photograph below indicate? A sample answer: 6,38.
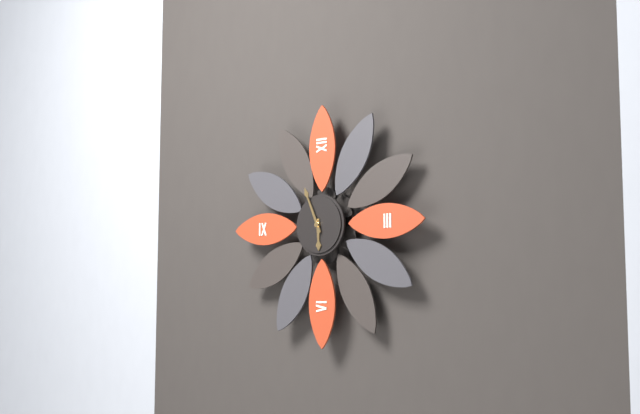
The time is 5,56
